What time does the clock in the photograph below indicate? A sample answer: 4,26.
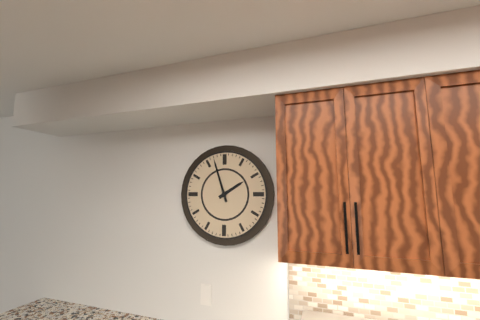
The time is 1,57
